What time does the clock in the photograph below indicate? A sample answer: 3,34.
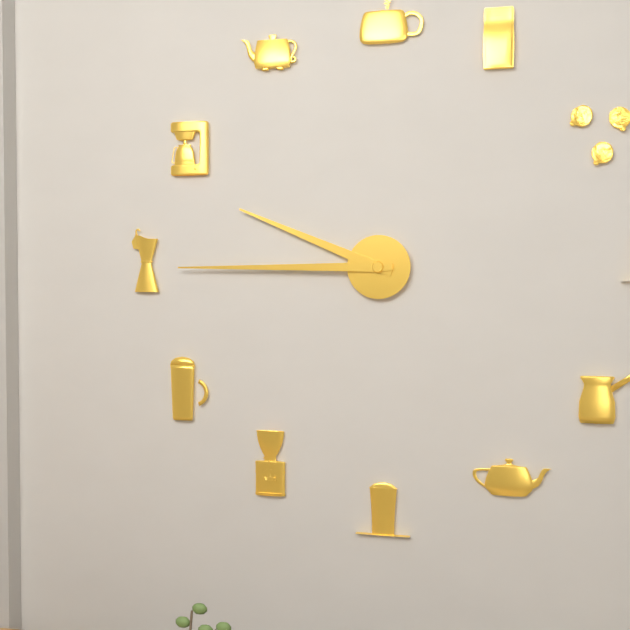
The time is 9,45
